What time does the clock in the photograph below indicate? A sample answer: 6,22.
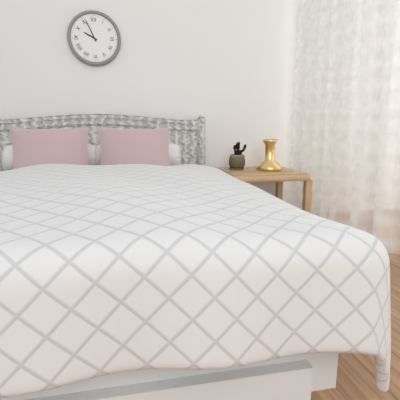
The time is 9,56
